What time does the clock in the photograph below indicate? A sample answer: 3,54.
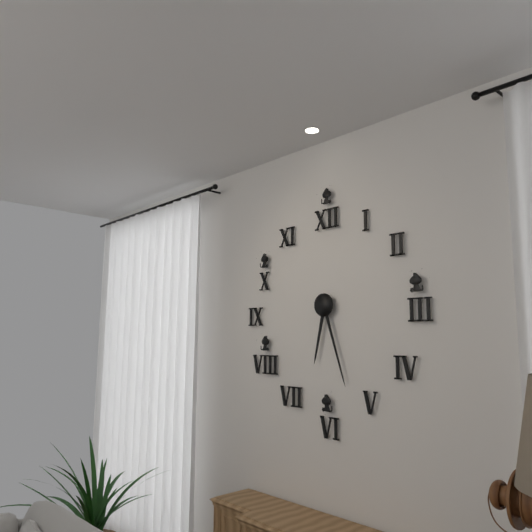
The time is 6,27
